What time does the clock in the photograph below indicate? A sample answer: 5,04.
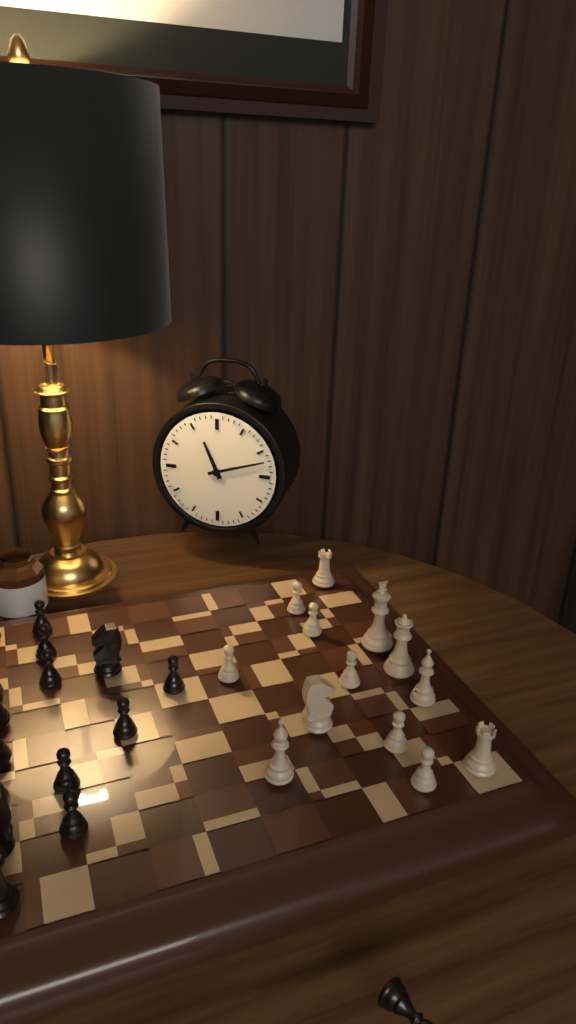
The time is 11,12
